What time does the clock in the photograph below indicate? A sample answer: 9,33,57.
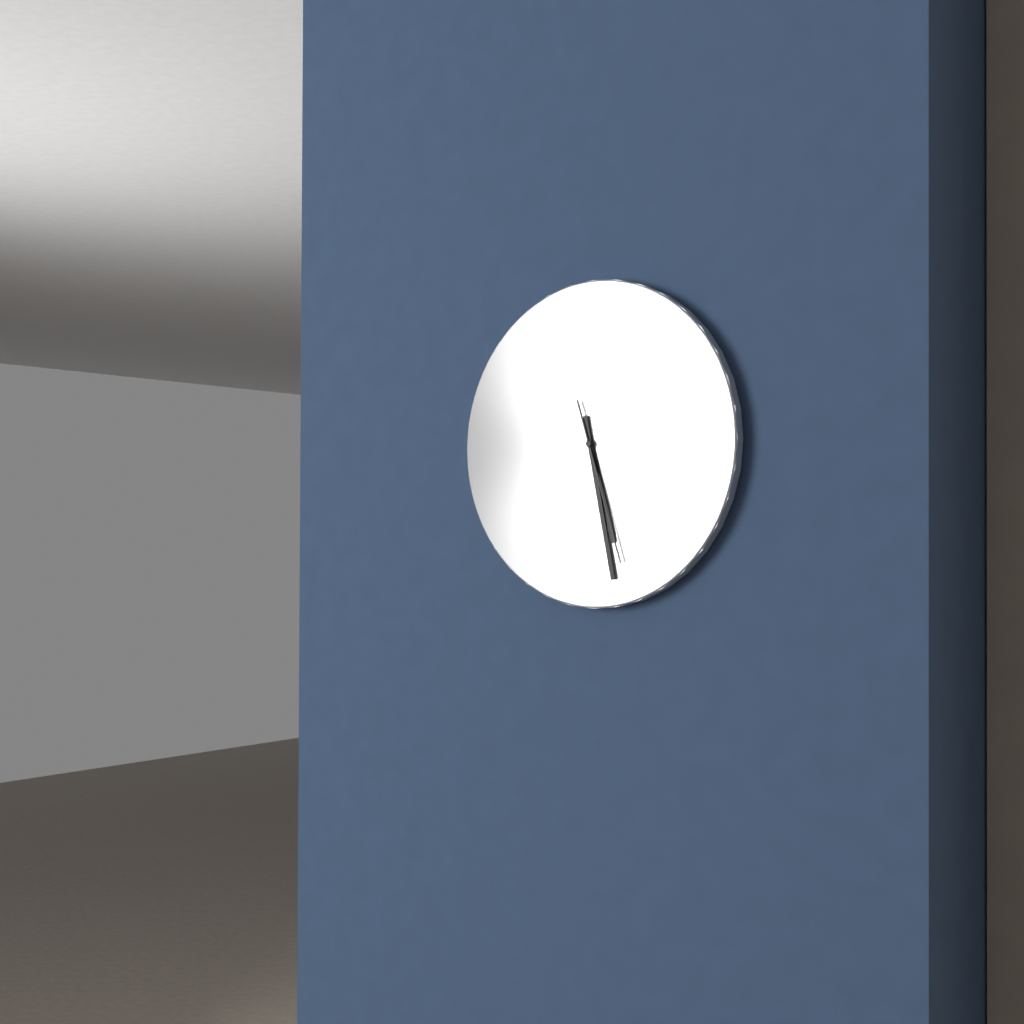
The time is 5,28,27
